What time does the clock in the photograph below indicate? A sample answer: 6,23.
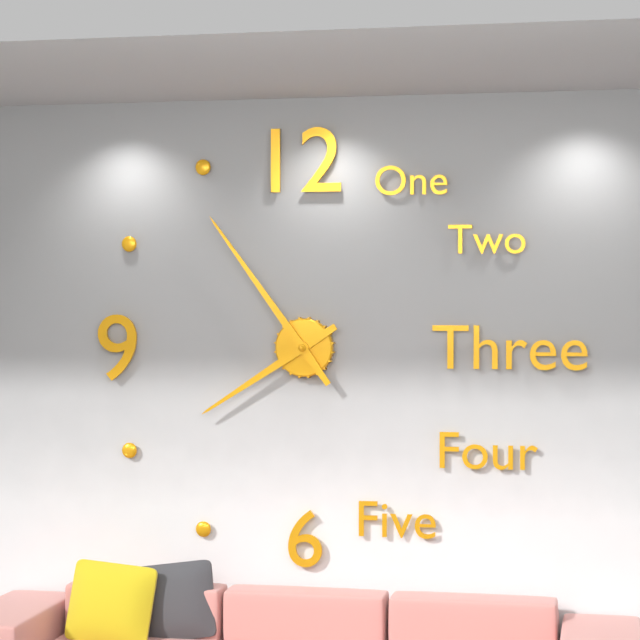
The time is 7,54
